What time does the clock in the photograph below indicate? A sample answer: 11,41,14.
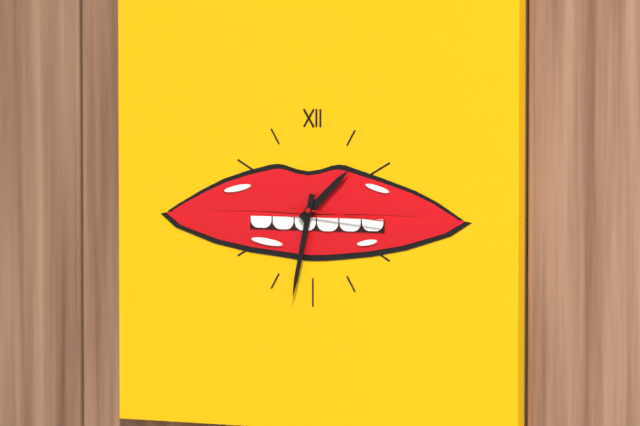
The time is 1,32,16
